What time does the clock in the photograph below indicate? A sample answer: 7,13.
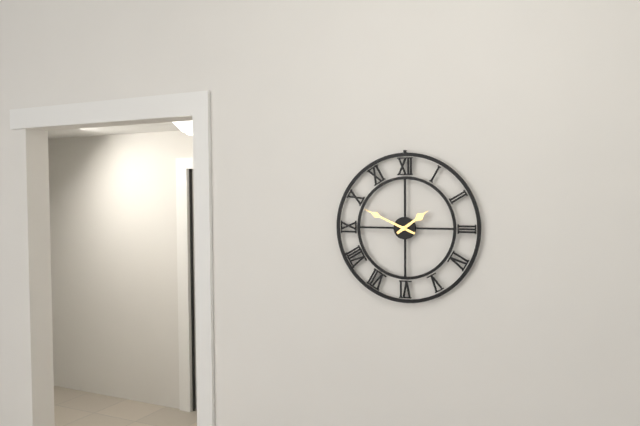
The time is 1,49
